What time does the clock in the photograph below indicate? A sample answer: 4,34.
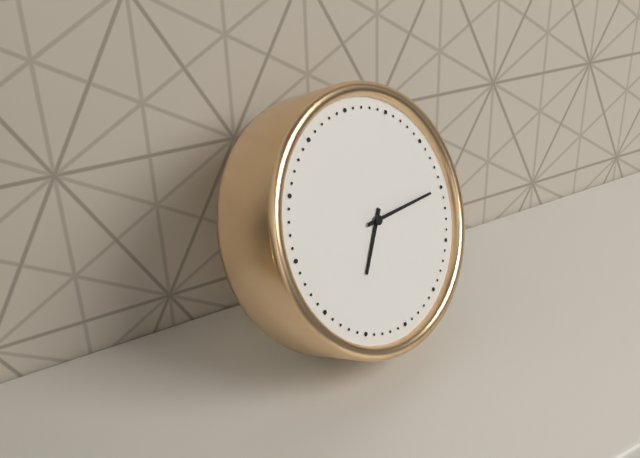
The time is 7,15
